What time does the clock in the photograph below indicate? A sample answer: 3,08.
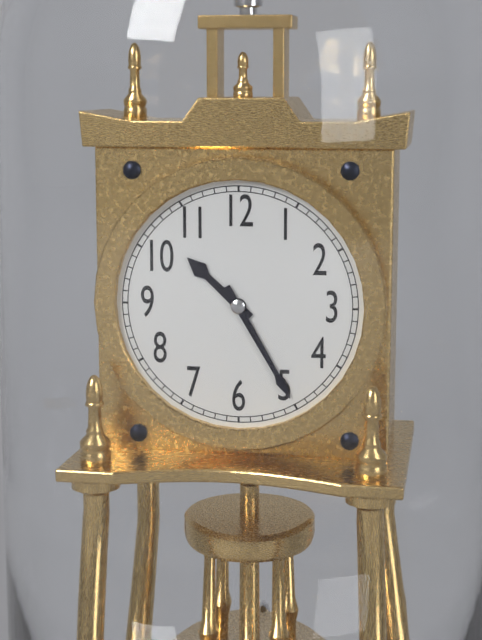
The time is 10,25
